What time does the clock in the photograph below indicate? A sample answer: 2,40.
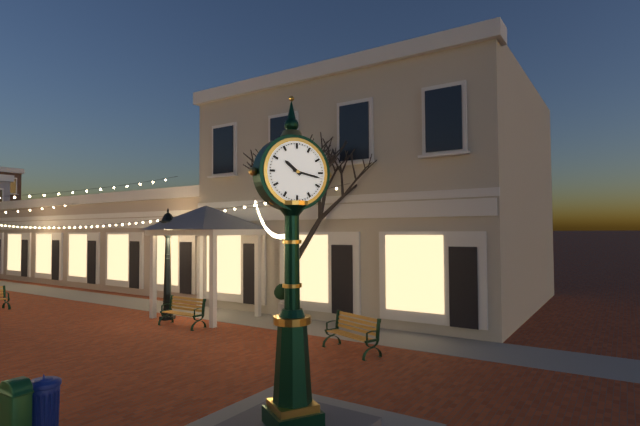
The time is 10,17
